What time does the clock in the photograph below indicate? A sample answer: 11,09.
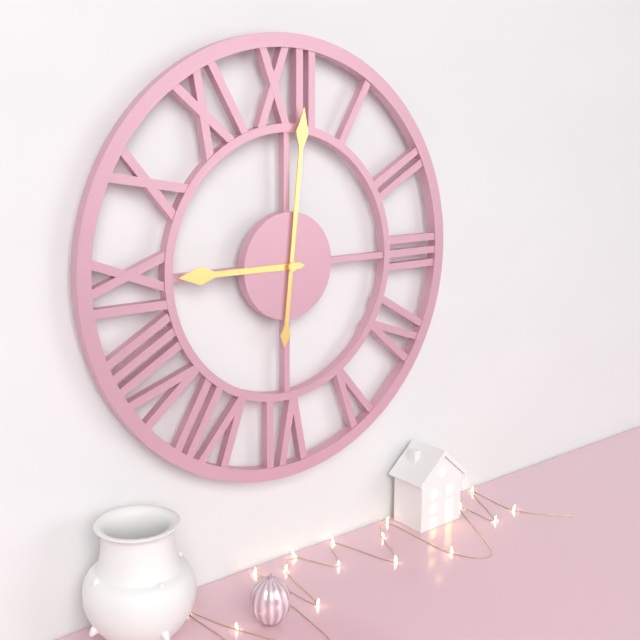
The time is 9,01
